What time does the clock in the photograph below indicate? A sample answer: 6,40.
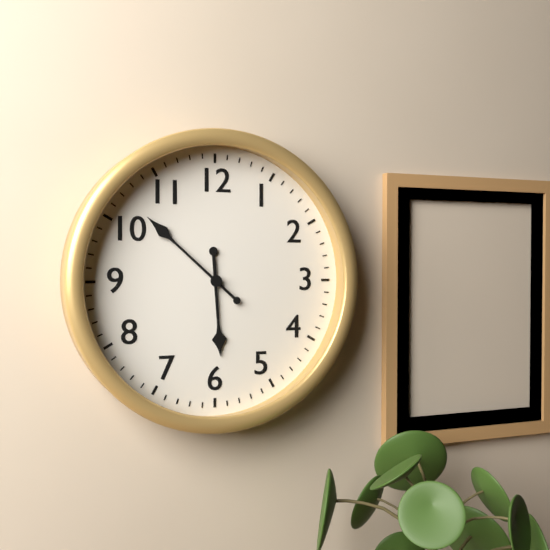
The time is 5,52
